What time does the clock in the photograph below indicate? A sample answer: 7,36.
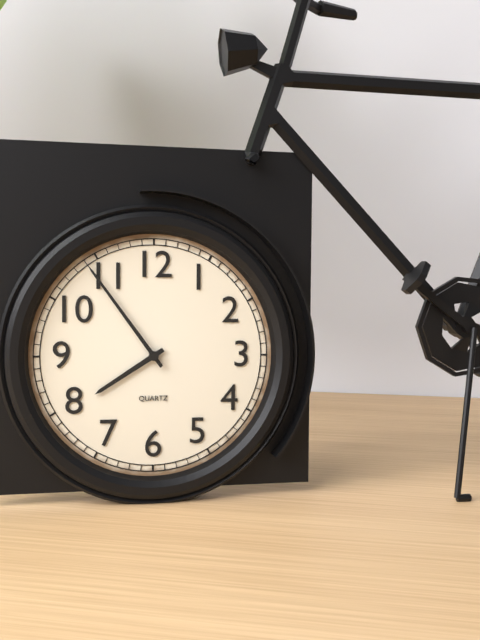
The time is 7,54
